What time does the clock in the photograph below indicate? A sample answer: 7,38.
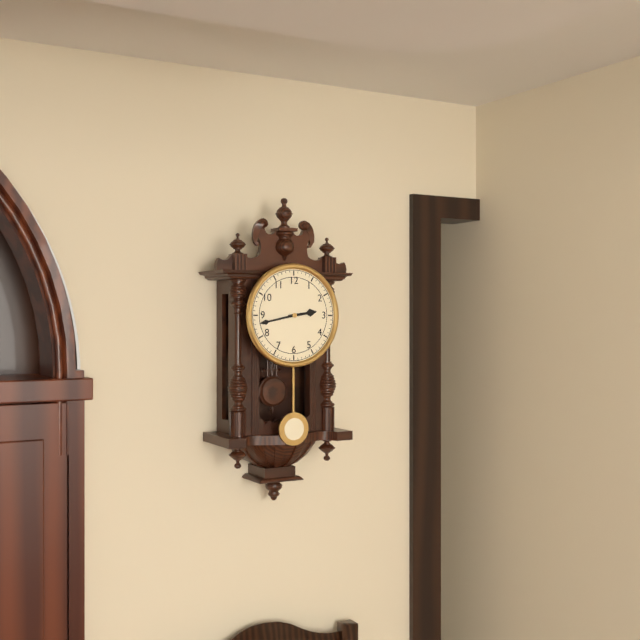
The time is 2,43
